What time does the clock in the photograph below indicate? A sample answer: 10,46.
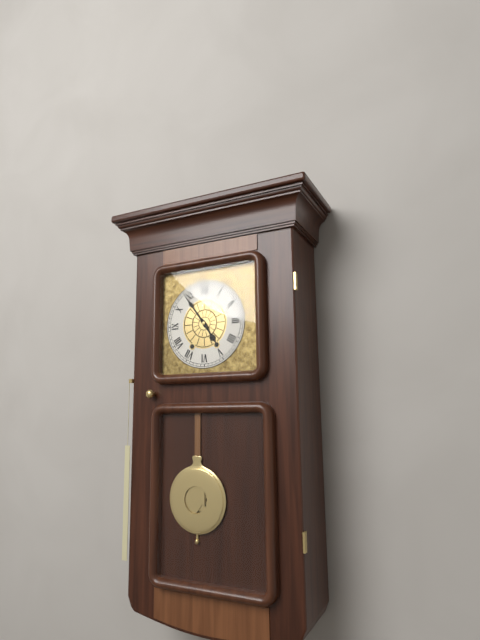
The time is 4,54
